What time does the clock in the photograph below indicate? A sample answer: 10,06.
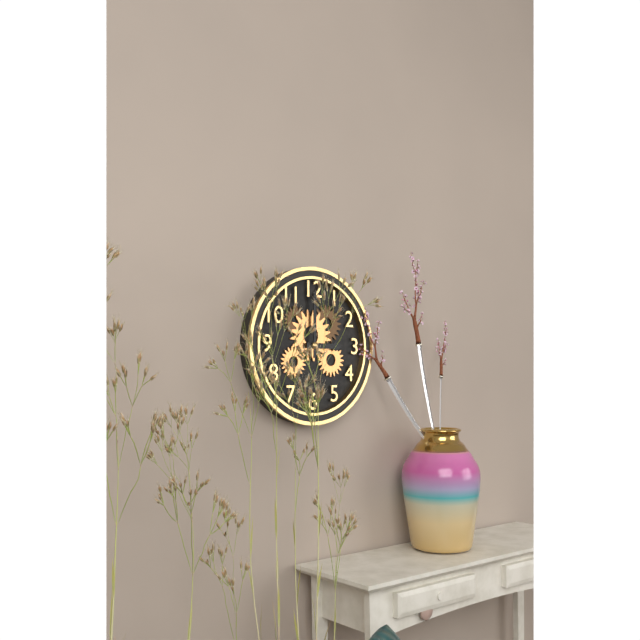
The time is 3,00
